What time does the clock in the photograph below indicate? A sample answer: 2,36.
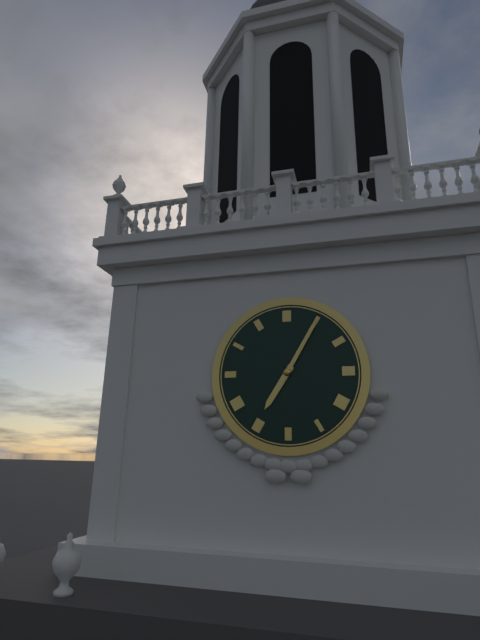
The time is 7,05
